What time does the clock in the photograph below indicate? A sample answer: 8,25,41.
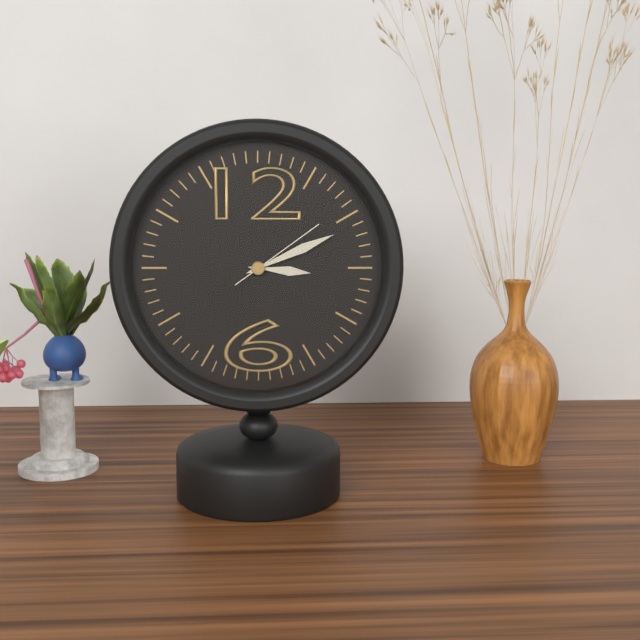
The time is 3,11,09
